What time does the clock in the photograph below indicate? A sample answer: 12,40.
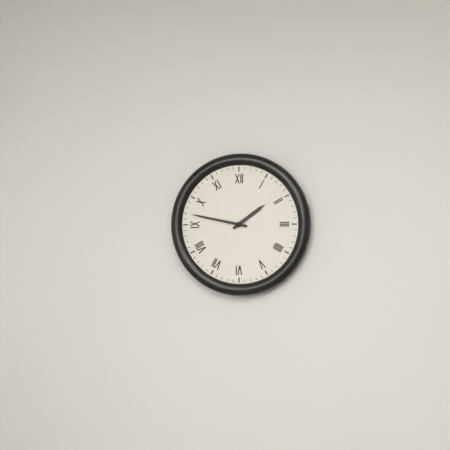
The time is 1,47
